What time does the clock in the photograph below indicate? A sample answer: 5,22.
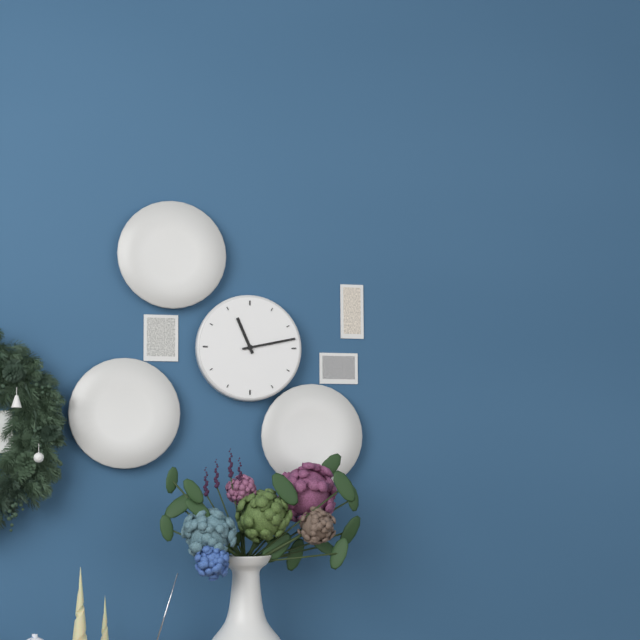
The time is 11,13
